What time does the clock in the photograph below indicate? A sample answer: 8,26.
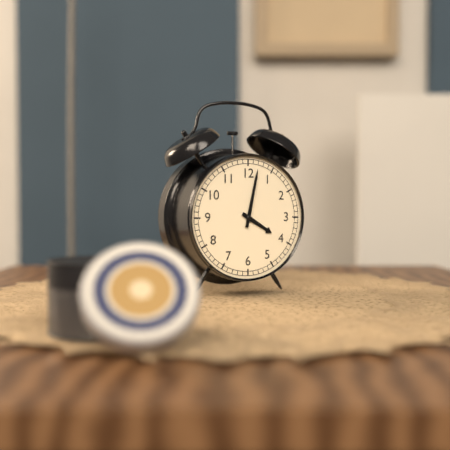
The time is 4,02
